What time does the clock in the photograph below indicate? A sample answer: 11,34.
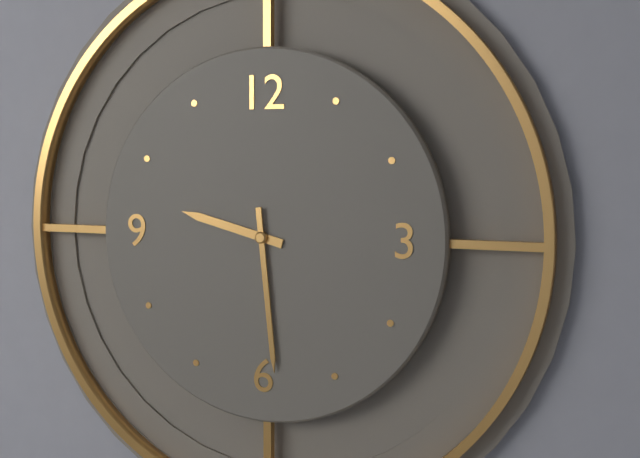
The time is 9,29
